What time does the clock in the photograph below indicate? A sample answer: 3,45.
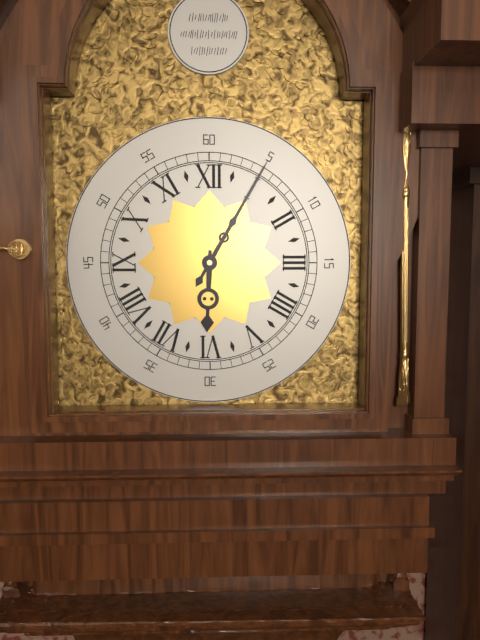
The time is 6,05
